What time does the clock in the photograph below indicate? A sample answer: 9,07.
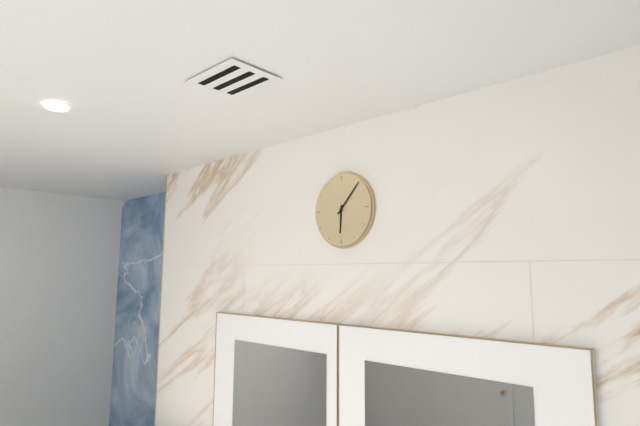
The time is 6,07
